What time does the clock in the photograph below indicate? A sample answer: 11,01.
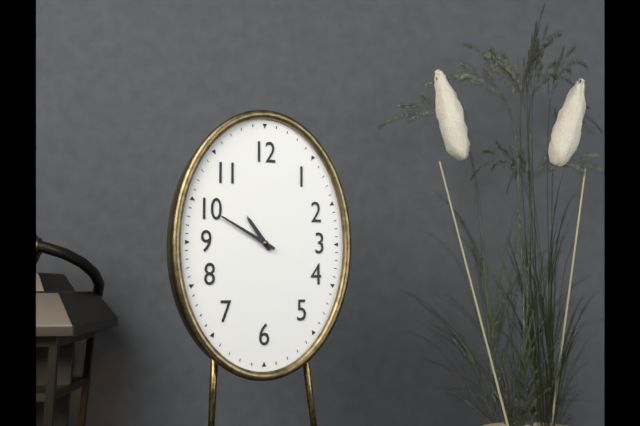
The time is 10,50
